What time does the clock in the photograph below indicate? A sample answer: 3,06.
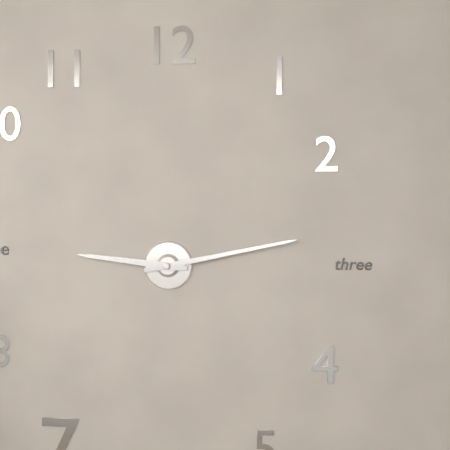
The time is 9,13
